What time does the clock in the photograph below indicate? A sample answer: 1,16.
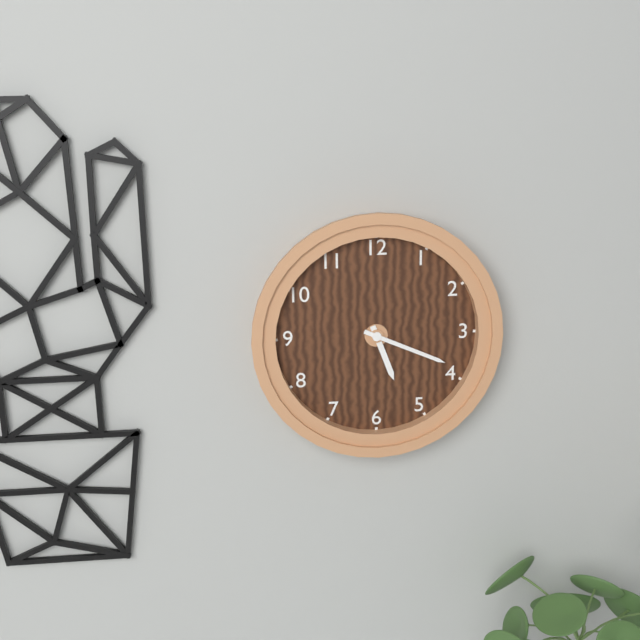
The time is 5,19
